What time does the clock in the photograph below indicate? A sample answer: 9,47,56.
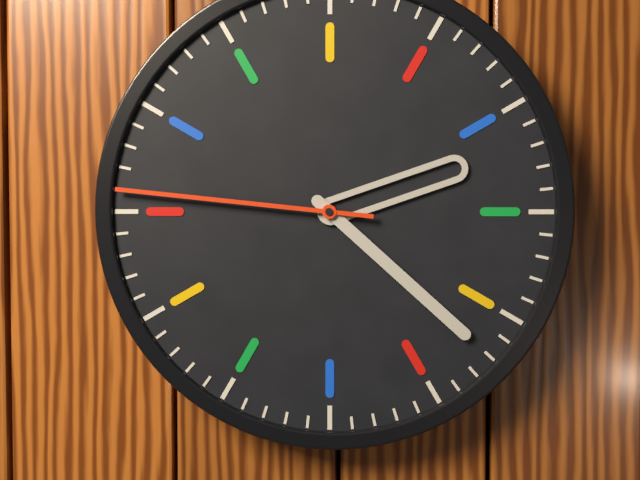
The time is 2,22,46
